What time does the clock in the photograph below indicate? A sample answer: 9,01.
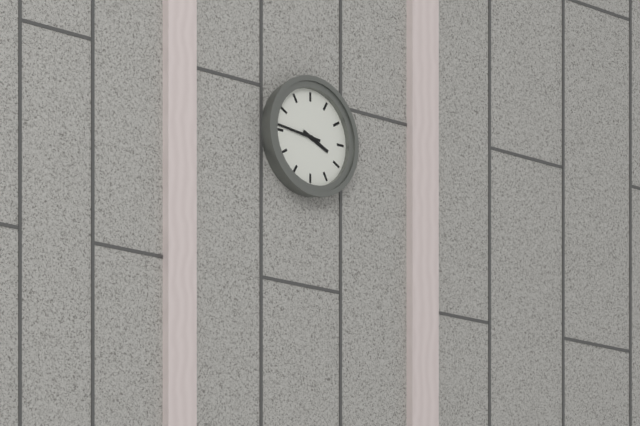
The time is 3,46
